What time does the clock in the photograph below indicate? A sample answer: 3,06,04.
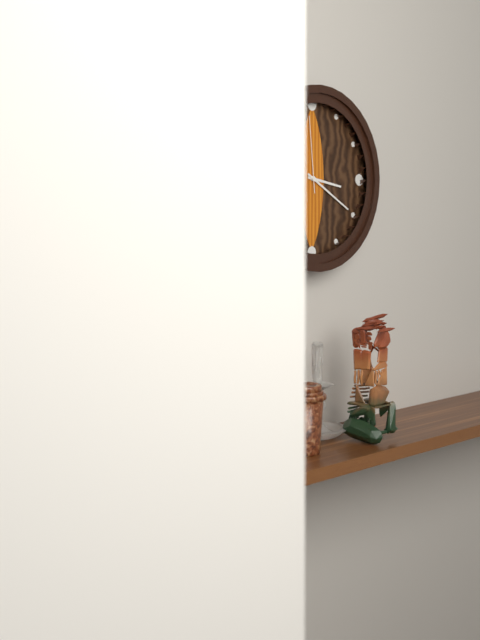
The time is 3,20,59
